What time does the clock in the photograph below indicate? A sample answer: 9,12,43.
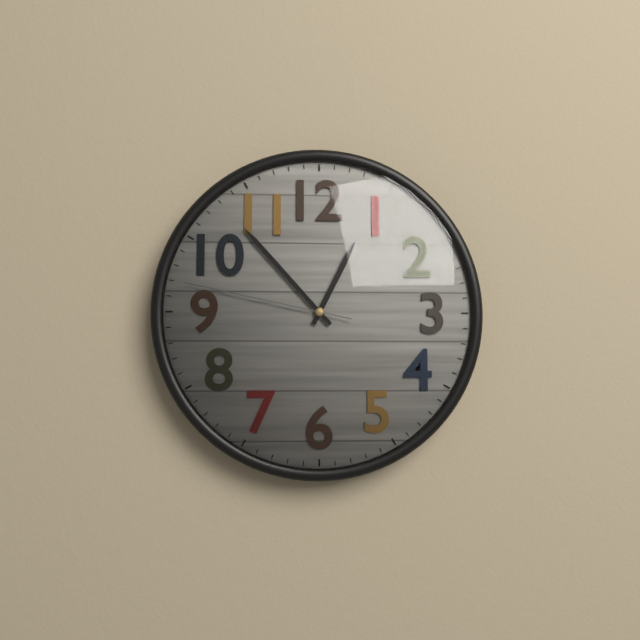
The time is 12,53,47
